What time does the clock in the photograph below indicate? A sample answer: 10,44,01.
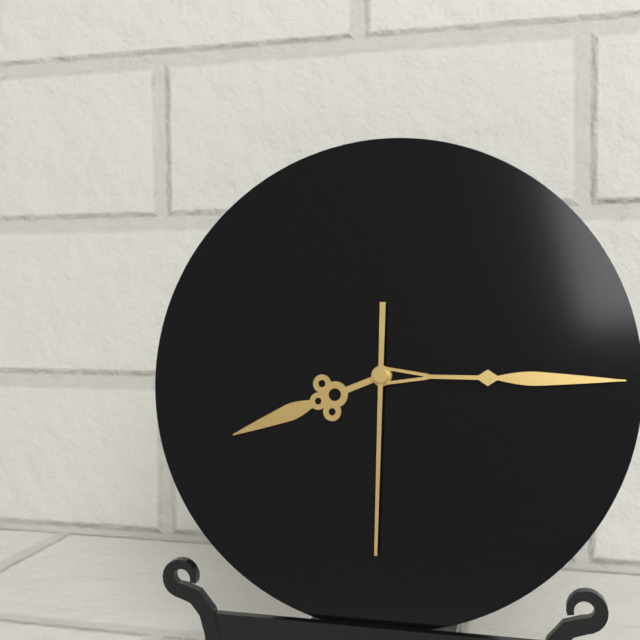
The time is 8,15,30
